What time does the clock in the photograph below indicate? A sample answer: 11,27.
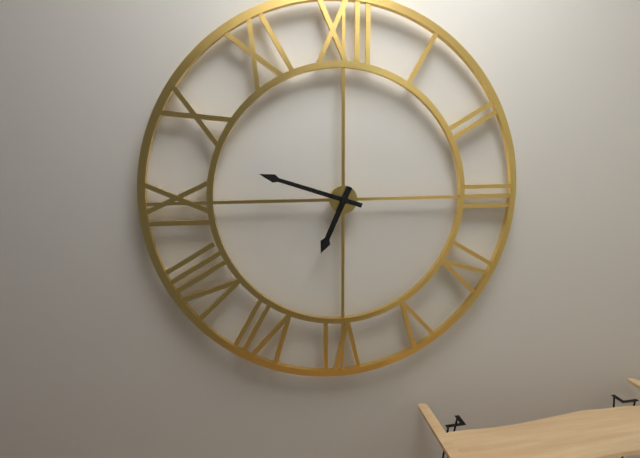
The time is 6,48
